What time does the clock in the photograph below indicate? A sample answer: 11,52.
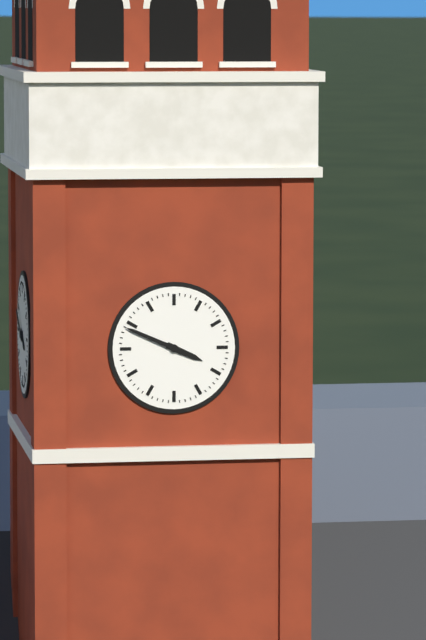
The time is 3,49
